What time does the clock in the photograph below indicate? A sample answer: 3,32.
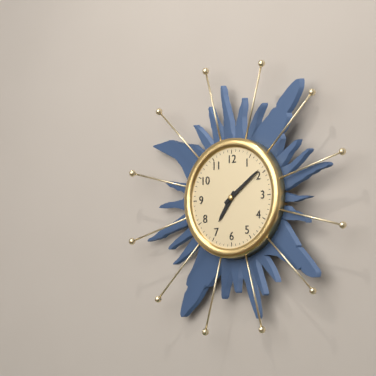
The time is 7,09
